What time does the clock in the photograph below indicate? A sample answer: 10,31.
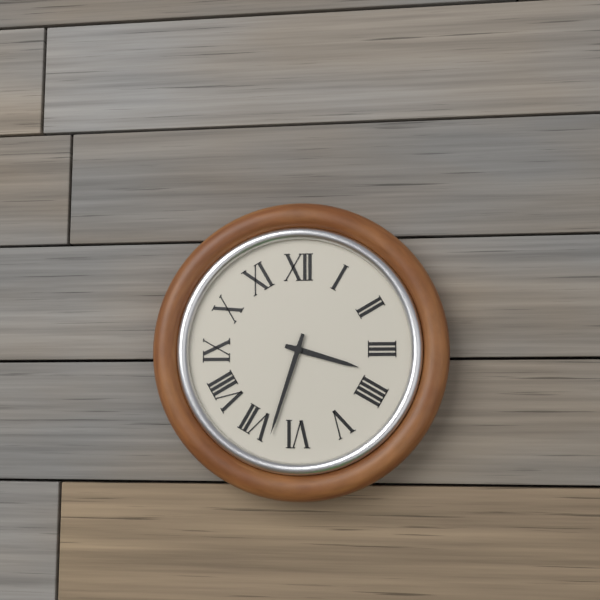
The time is 3,33
